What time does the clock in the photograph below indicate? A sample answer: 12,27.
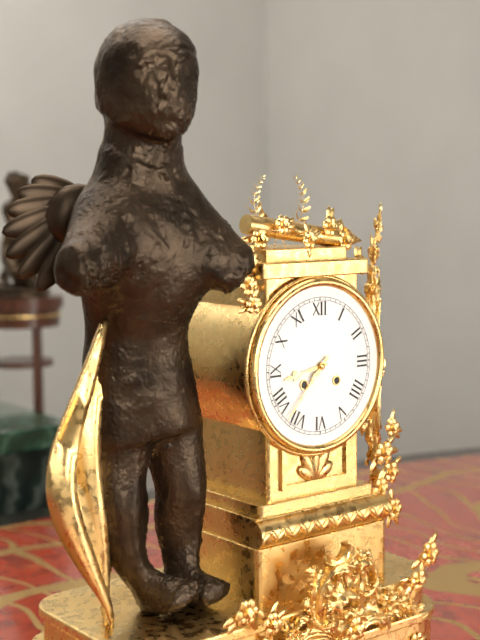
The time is 8,37
